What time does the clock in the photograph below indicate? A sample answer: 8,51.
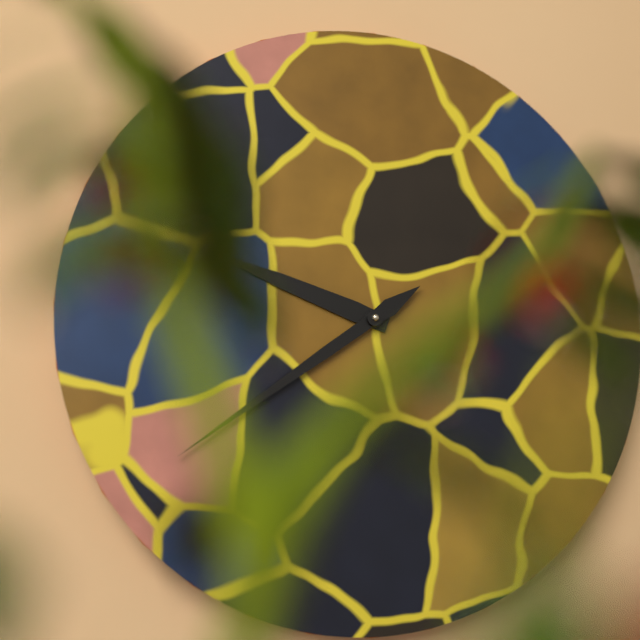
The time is 9,39
